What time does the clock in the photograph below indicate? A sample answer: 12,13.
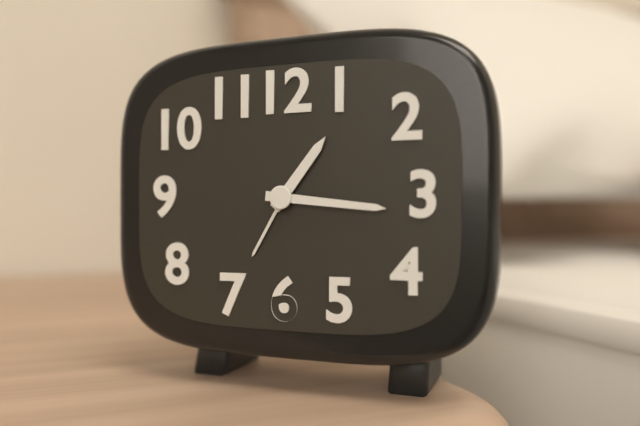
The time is 1,16
